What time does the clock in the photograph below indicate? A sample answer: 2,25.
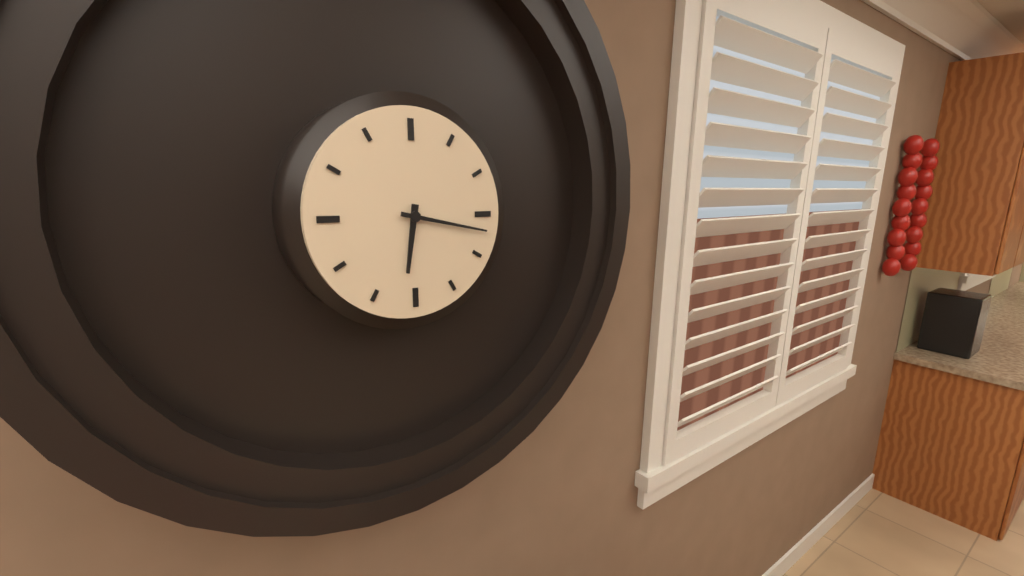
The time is 6,17
